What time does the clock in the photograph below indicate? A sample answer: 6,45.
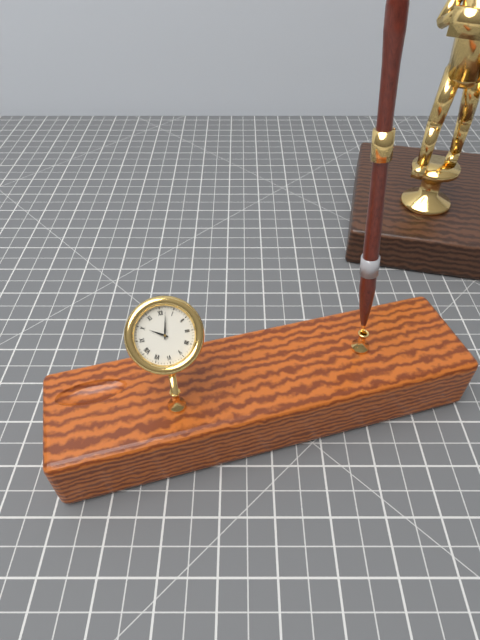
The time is 10,02
